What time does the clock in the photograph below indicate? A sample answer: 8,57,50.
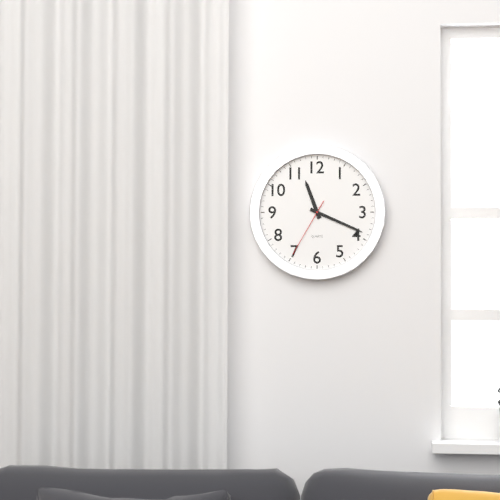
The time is 11,19,35
